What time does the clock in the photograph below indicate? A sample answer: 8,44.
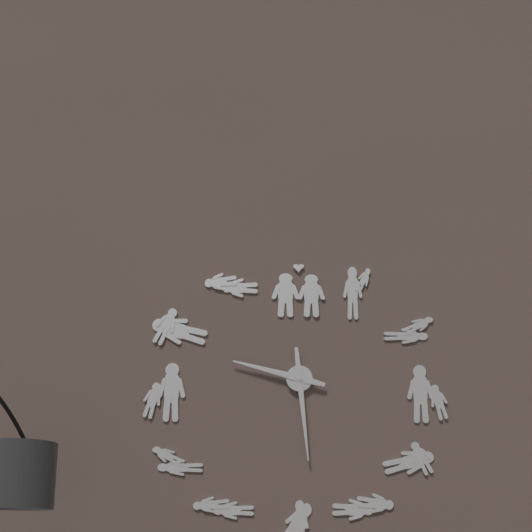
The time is 9,29
